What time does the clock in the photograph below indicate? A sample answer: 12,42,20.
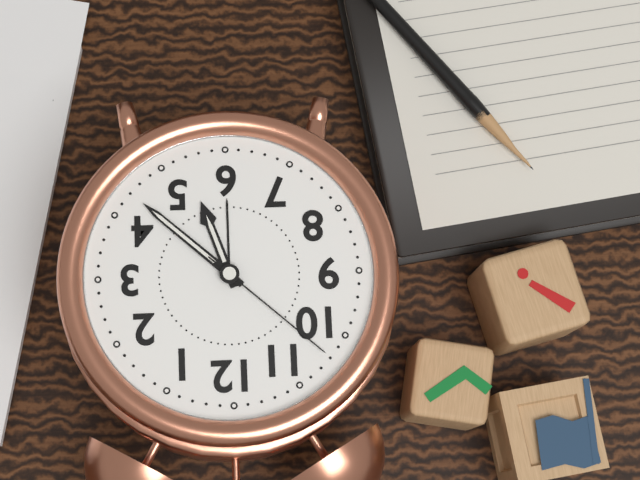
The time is 5,22,52
